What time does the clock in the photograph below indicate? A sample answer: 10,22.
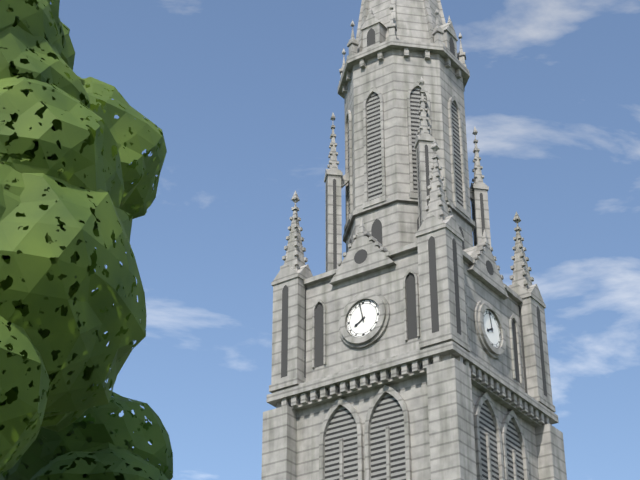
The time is 7,58
